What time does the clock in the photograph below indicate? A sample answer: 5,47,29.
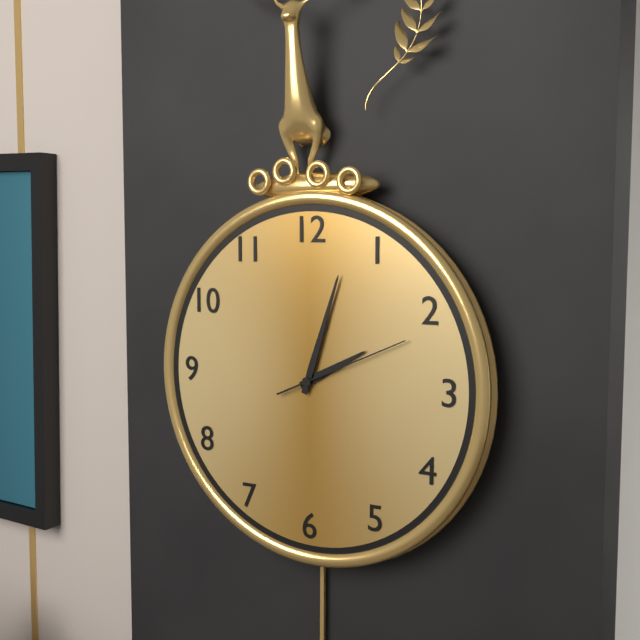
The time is 2,03,11
